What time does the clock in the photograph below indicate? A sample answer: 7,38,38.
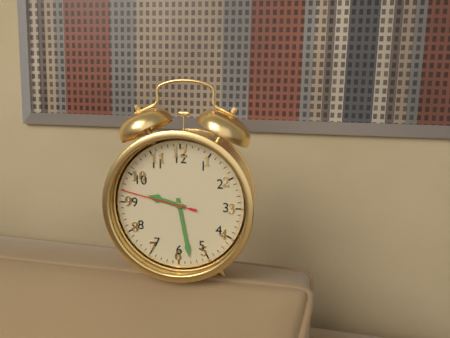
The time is 9,28,47
